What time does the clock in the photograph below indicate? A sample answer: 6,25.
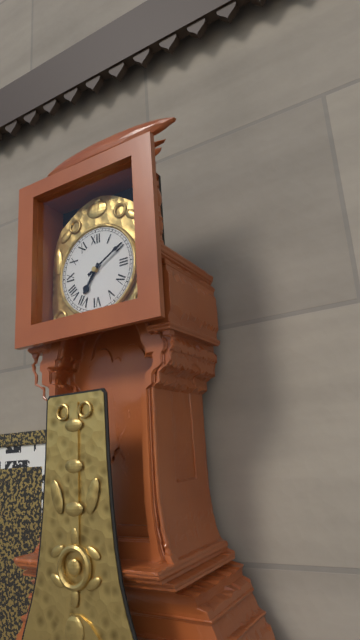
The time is 7,10
